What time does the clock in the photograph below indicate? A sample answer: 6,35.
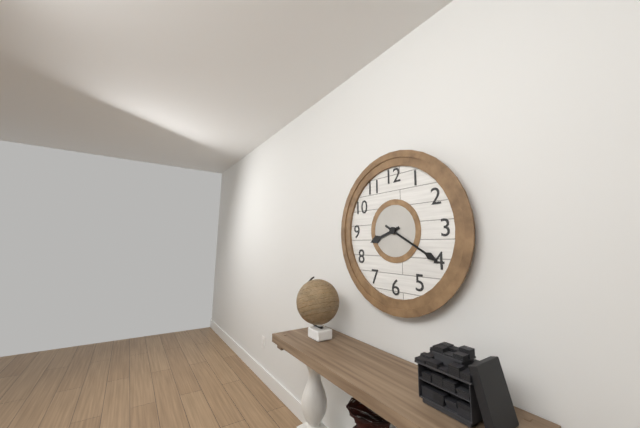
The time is 8,20
